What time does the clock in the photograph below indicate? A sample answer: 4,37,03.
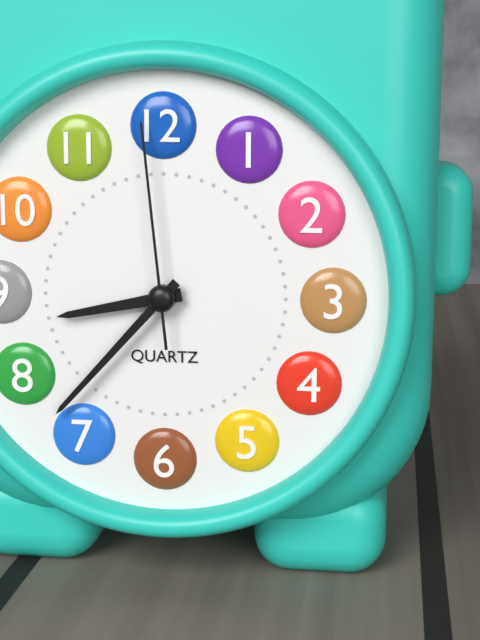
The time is 8,37,59
